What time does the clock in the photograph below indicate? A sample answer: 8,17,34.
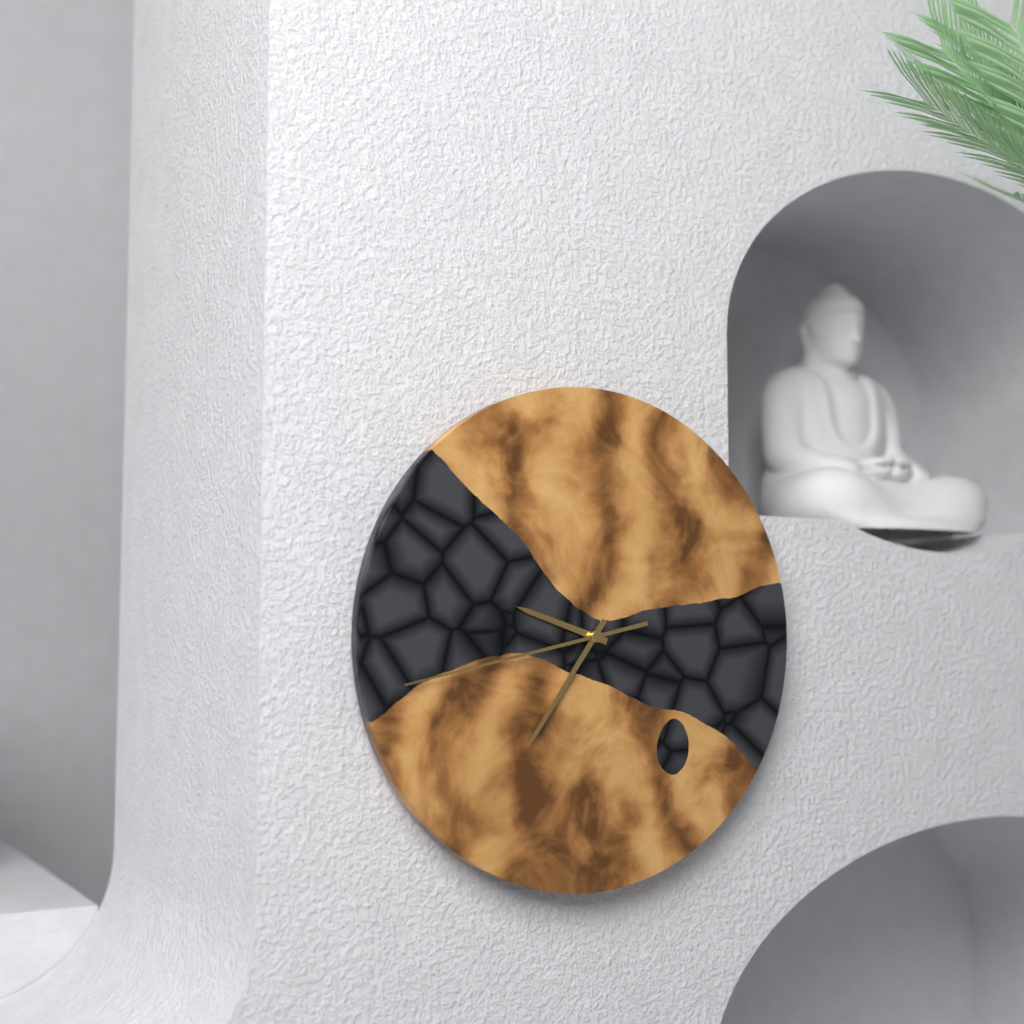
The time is 9,36,43
